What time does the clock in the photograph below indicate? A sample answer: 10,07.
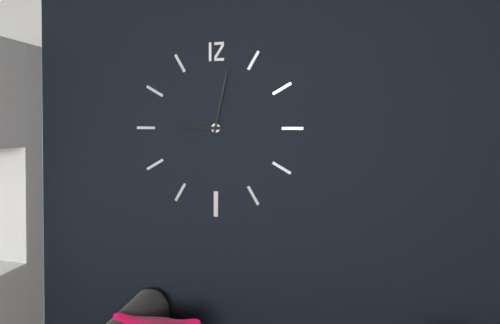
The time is 9,02
